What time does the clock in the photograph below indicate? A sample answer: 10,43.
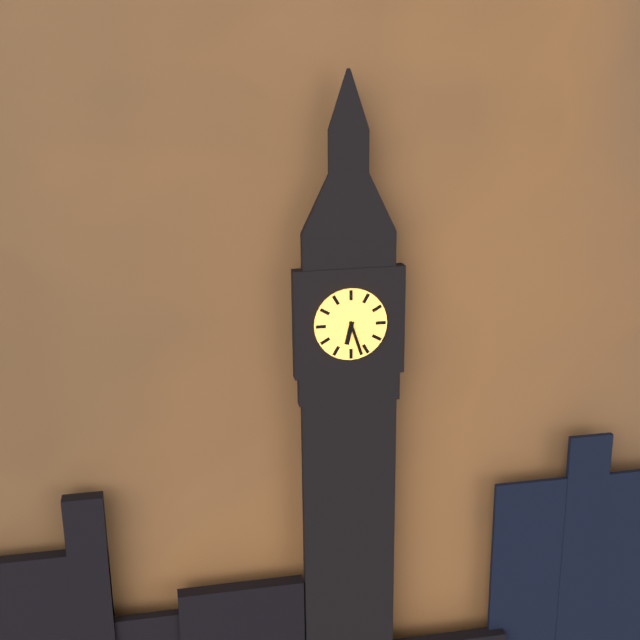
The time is 6,27
